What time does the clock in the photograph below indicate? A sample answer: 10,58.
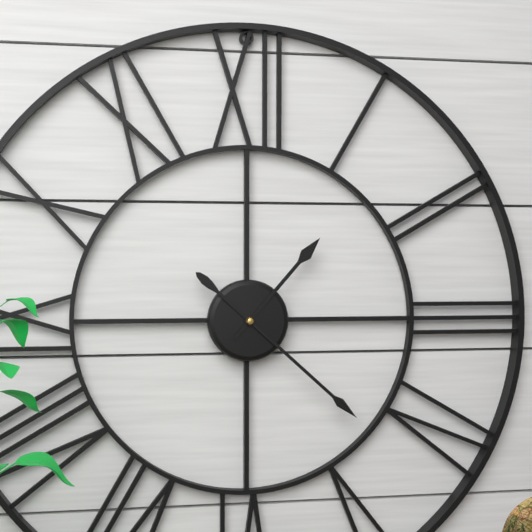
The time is 1,22
